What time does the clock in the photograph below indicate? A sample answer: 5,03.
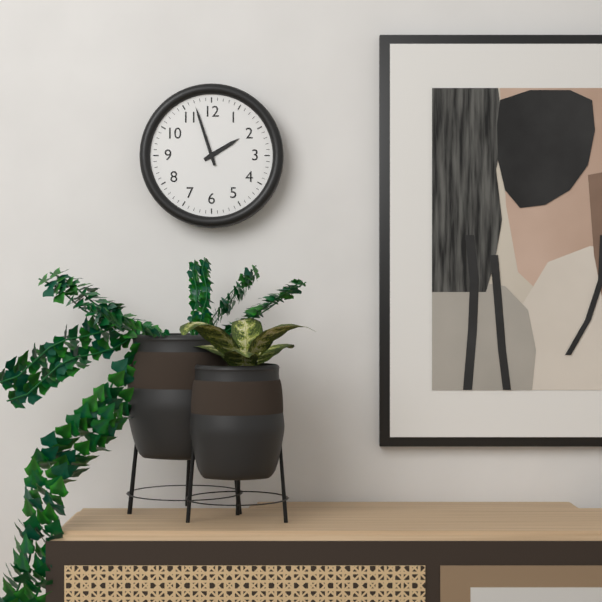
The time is 1,57
